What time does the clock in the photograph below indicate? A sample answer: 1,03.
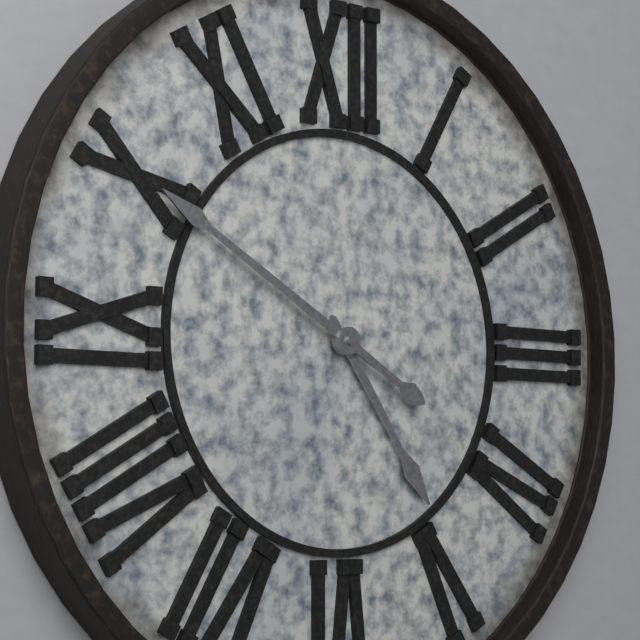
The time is 4,50
